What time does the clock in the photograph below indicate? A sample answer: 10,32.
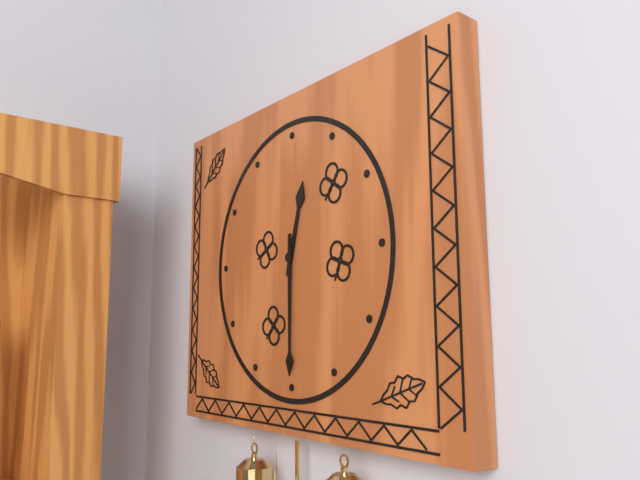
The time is 12,30
